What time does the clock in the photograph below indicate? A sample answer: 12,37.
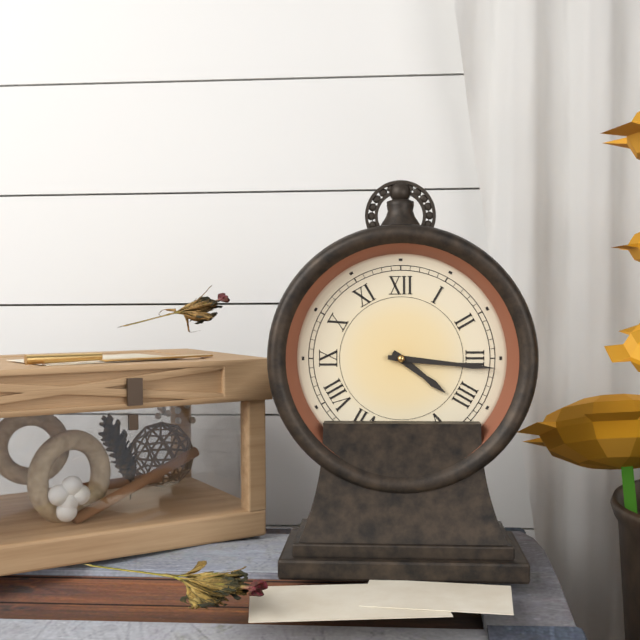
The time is 4,16
